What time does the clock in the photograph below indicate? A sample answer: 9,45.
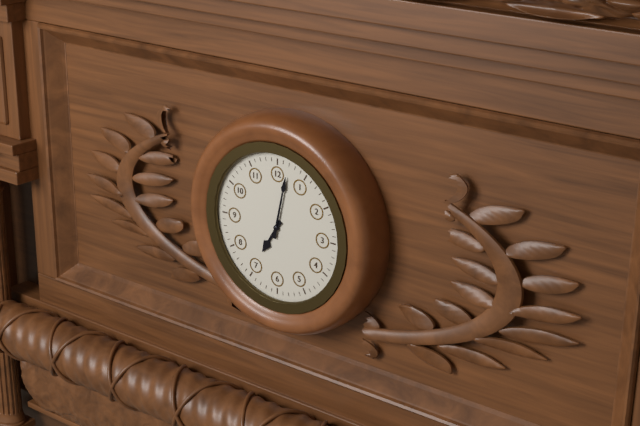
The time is 7,02
